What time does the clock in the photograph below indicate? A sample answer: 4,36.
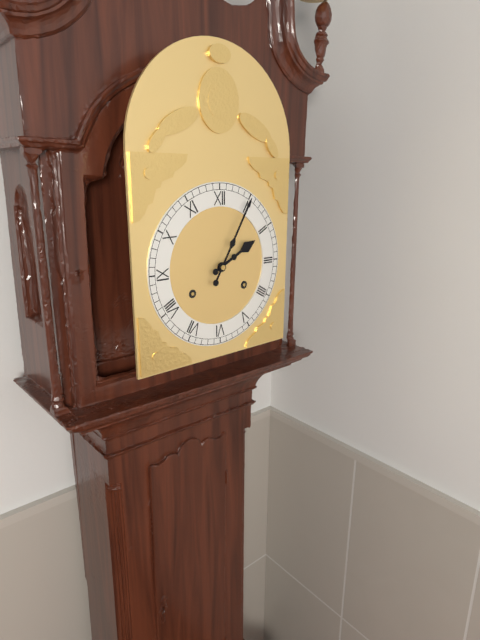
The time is 2,05
